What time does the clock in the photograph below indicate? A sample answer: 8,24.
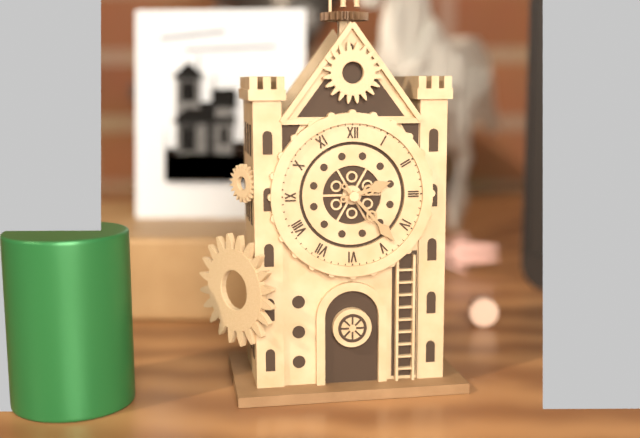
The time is 2,23
